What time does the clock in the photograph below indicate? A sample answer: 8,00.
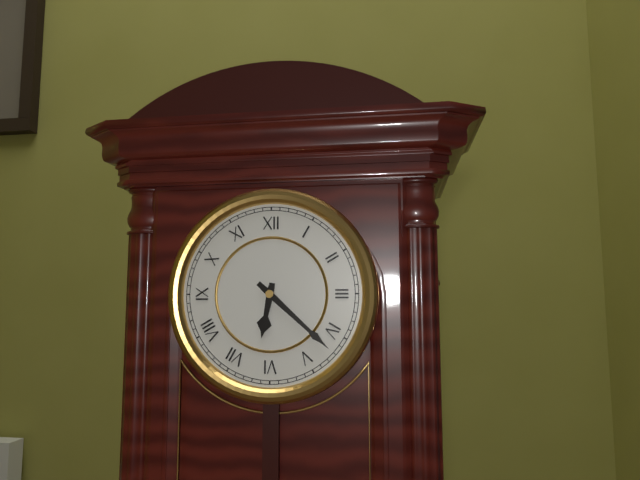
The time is 6,22
